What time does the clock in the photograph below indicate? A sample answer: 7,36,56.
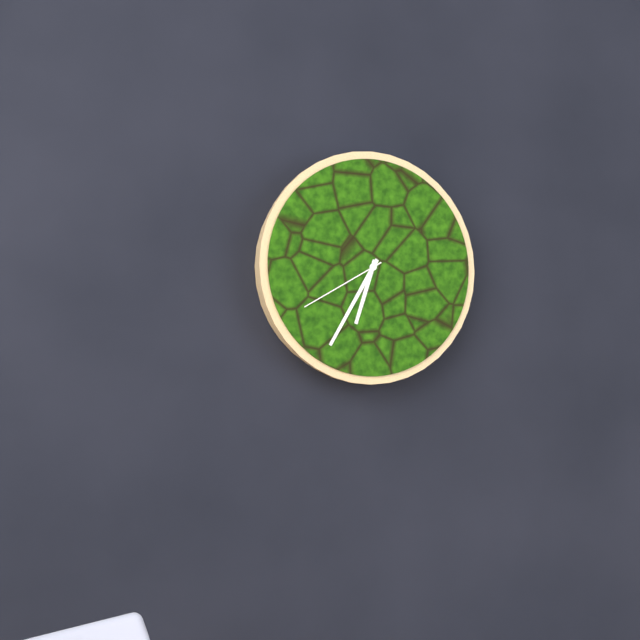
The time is 6,35,40
